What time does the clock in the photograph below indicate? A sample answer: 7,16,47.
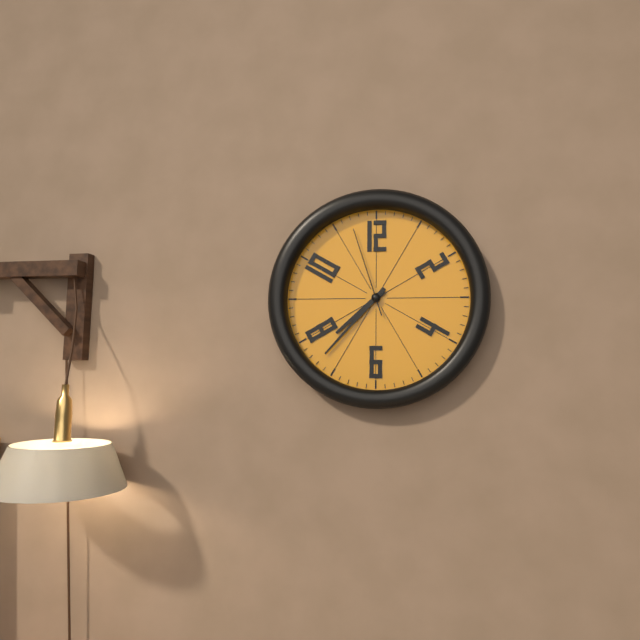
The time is 7,37,57
